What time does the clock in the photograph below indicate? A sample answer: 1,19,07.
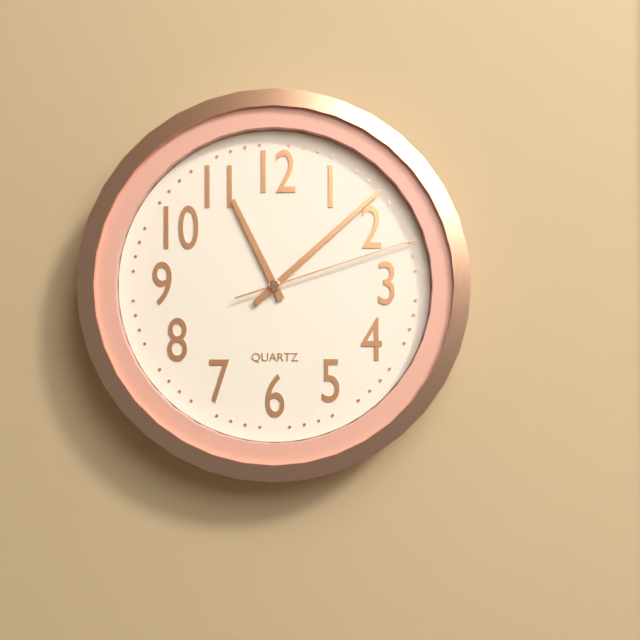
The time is 11,08,12
